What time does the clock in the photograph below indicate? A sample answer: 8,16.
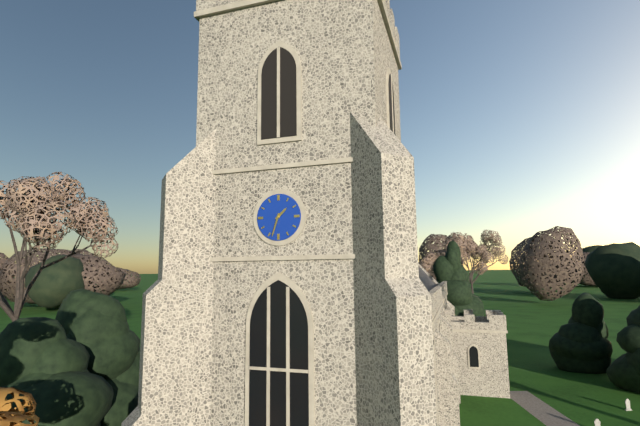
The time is 1,33
